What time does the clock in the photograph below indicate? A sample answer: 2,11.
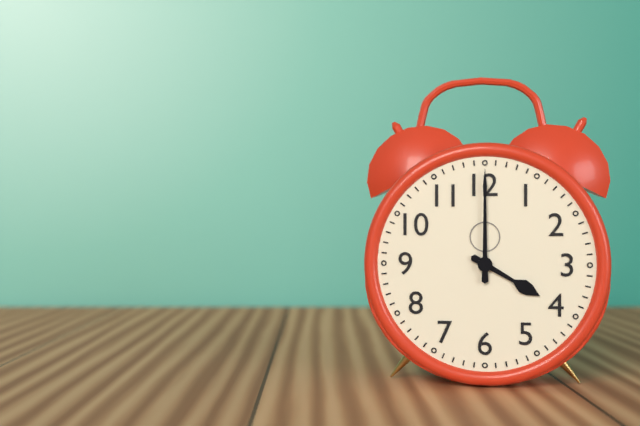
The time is 4,00
